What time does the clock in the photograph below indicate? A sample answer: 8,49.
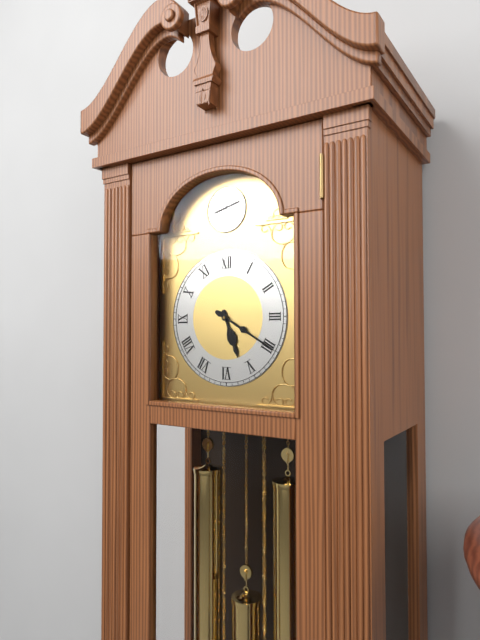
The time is 5,20
